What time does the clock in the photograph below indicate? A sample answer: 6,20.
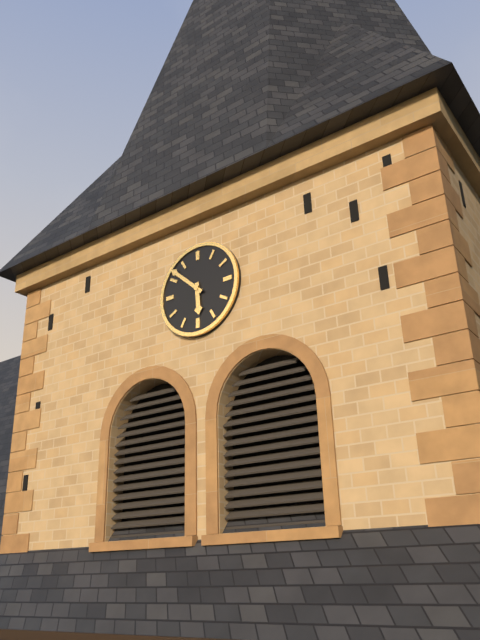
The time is 5,52
